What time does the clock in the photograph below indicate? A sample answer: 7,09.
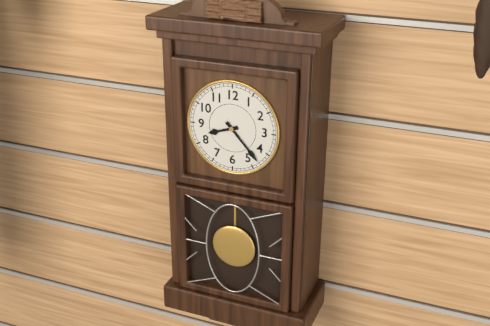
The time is 8,23
